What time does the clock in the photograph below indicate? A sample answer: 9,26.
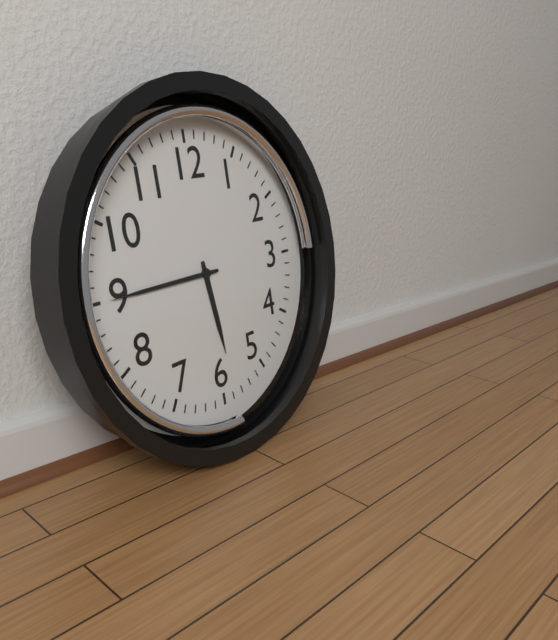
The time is 5,45
